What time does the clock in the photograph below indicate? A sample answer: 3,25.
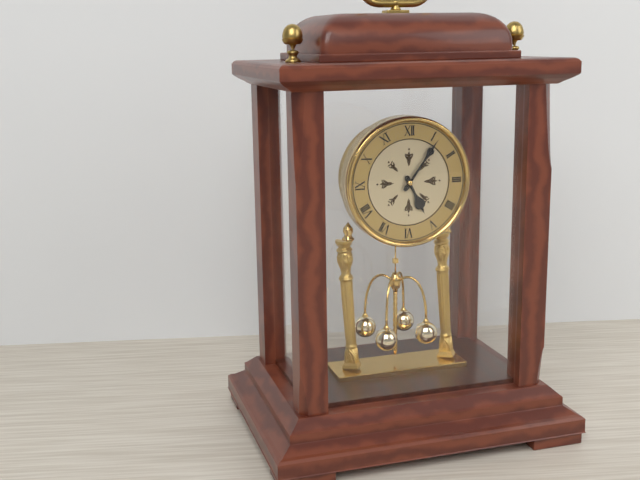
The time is 5,06
